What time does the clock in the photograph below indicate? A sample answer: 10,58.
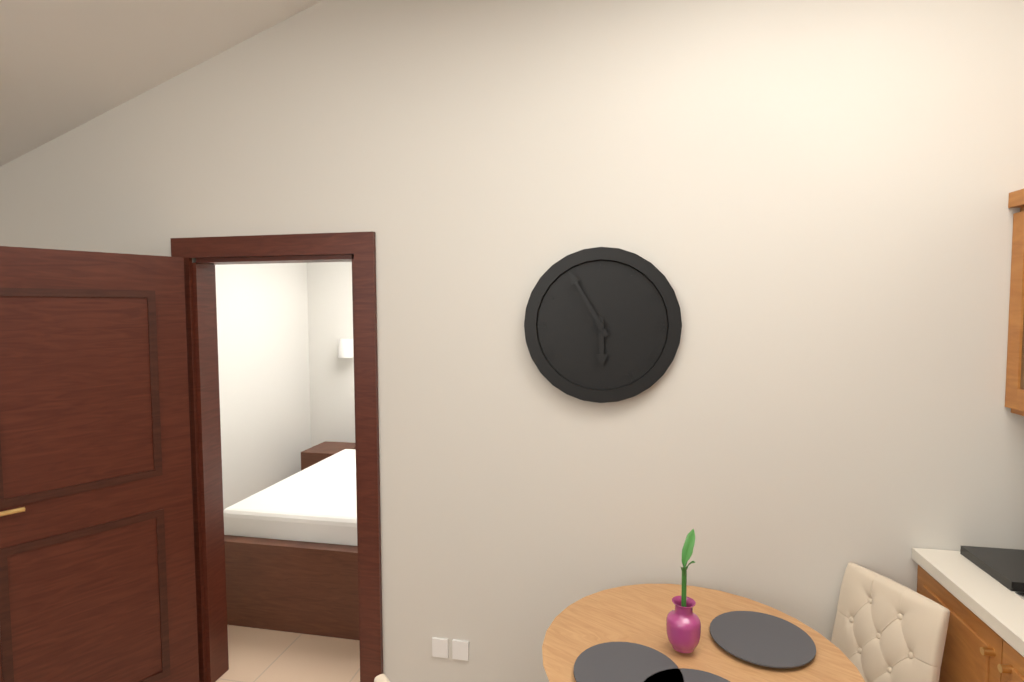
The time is 5,55
